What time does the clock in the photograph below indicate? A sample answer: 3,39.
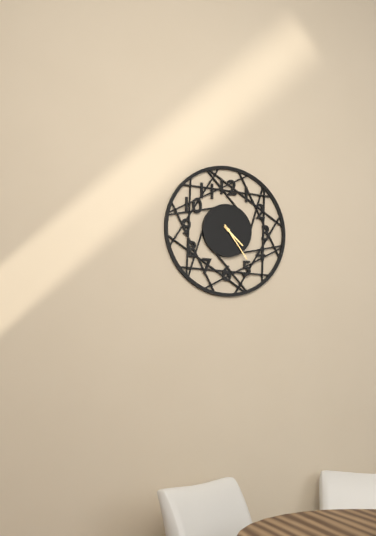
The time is 4,24
